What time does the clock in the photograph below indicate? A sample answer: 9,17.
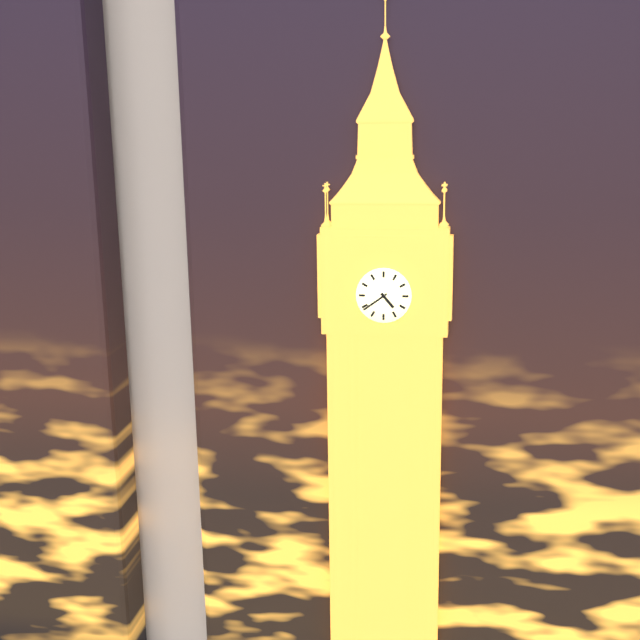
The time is 4,39
